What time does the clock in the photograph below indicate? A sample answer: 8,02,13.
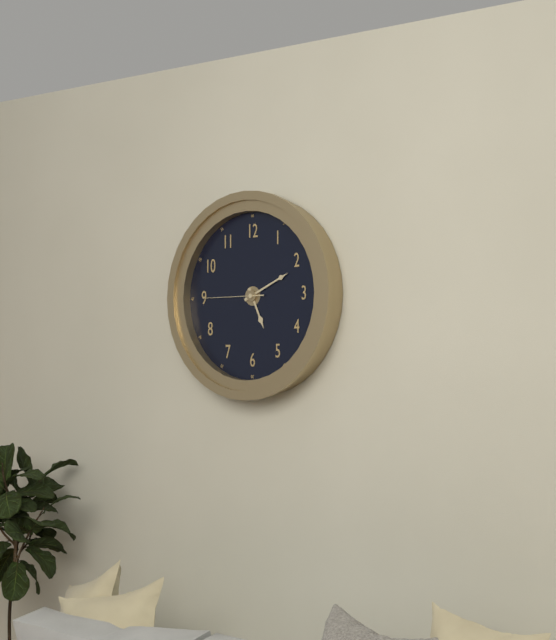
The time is 5,11,45
